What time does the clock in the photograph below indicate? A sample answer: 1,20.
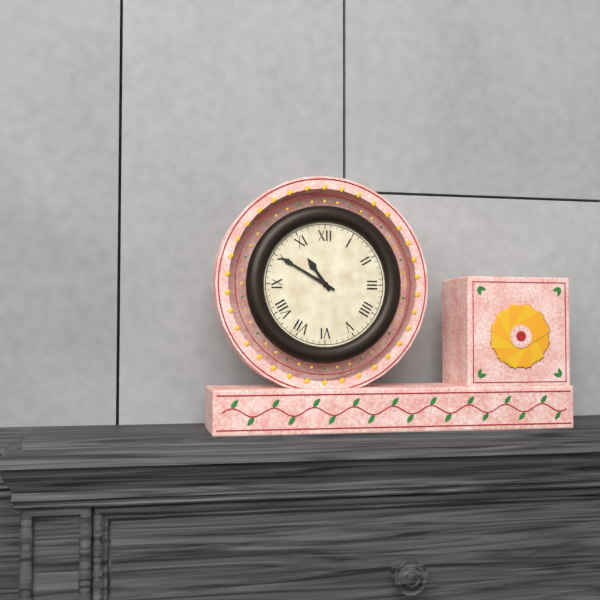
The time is 10,50
